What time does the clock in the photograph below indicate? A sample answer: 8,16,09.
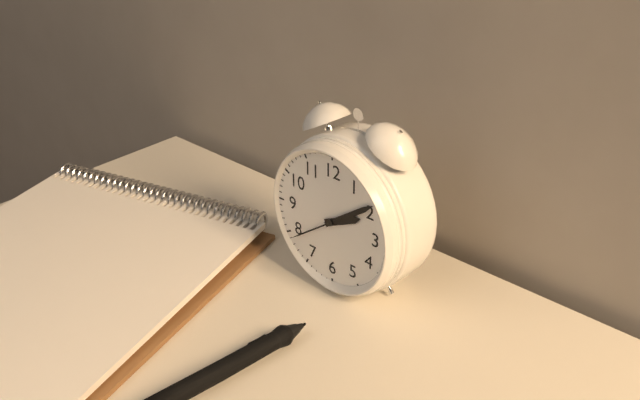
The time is 2,09,39
